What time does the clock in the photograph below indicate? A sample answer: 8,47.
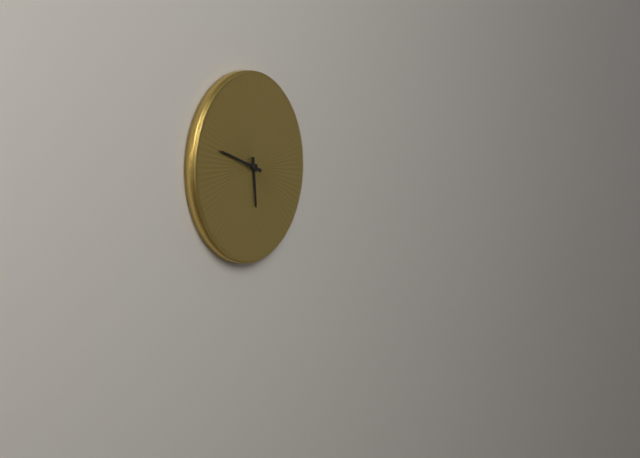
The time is 5,48
